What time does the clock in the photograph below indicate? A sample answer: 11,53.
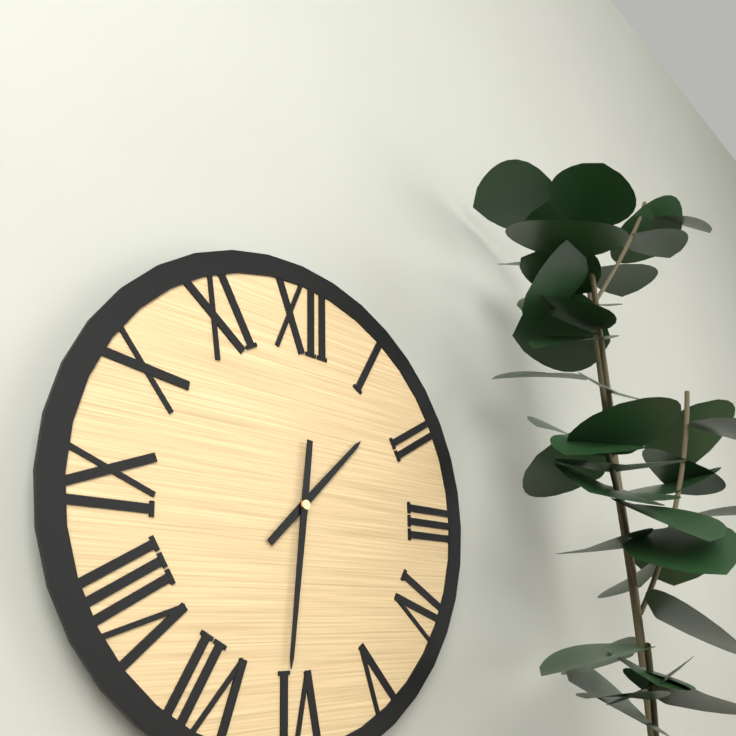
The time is 1,31
